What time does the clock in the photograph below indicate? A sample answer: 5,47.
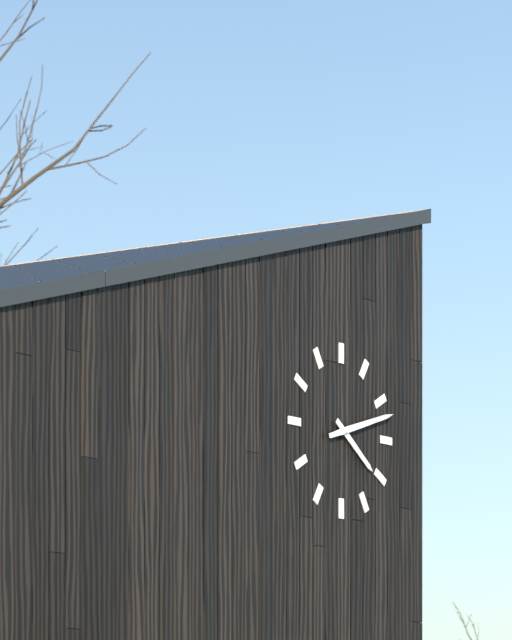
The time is 4,12
